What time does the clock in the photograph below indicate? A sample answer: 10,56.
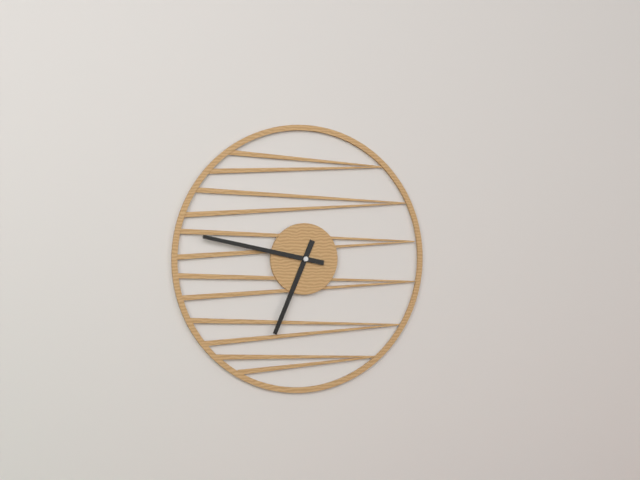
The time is 6,47
